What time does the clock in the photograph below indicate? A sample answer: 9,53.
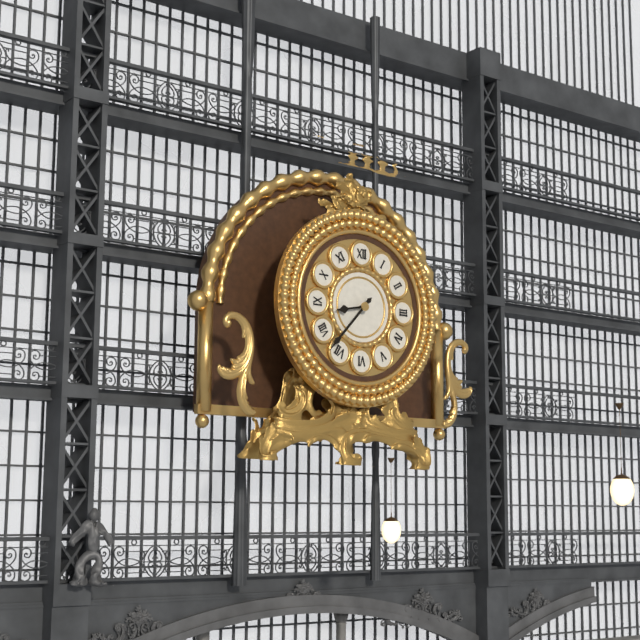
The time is 8,37
